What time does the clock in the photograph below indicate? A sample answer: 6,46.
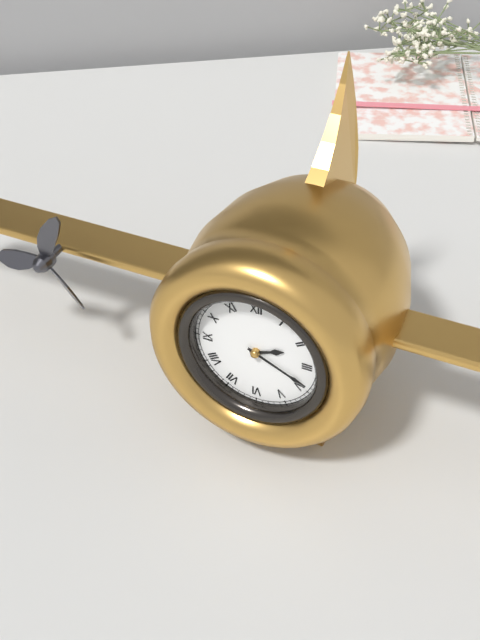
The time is 2,19
